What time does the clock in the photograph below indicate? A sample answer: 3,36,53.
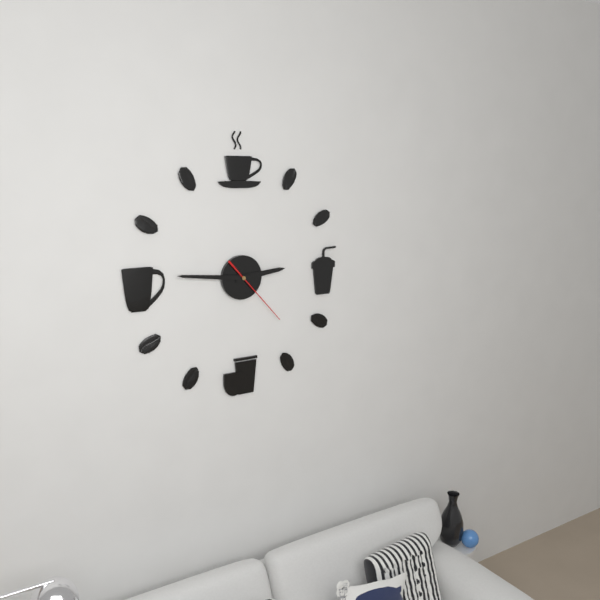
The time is 2,46,23
